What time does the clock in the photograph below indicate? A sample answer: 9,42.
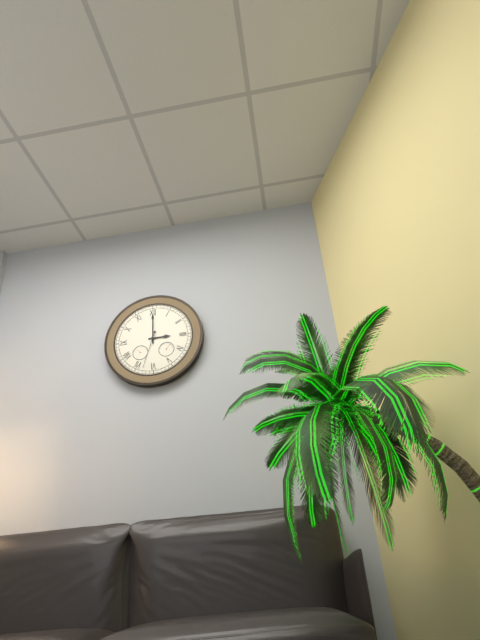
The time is 3,00
